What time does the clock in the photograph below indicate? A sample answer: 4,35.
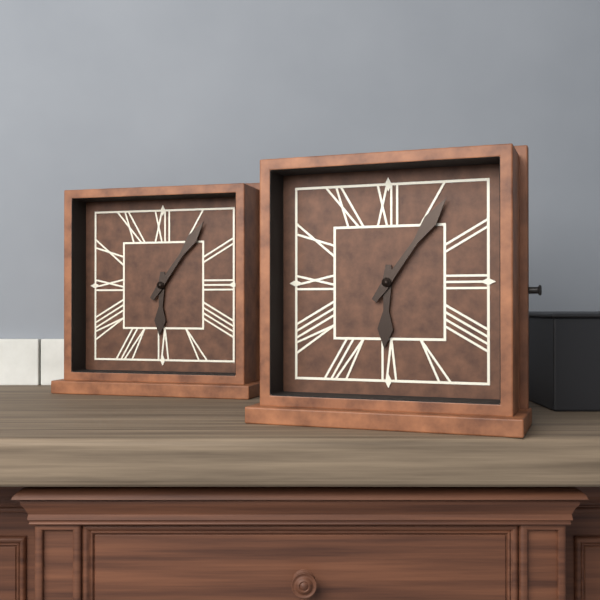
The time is 6,06
